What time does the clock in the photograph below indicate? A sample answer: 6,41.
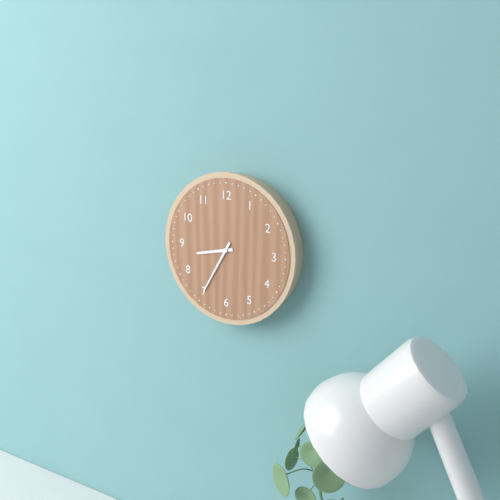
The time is 8,35
